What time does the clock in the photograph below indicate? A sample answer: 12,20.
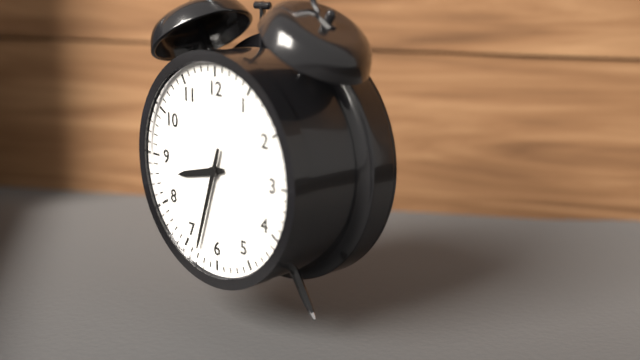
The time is 8,33
